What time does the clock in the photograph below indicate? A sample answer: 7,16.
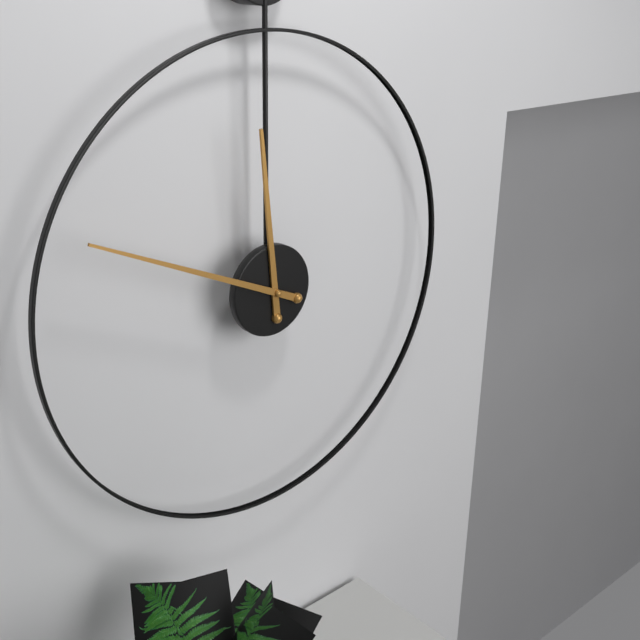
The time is 11,49
